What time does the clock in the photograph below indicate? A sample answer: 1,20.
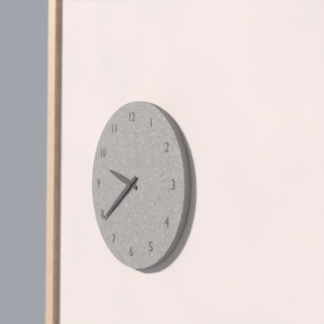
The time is 9,39
